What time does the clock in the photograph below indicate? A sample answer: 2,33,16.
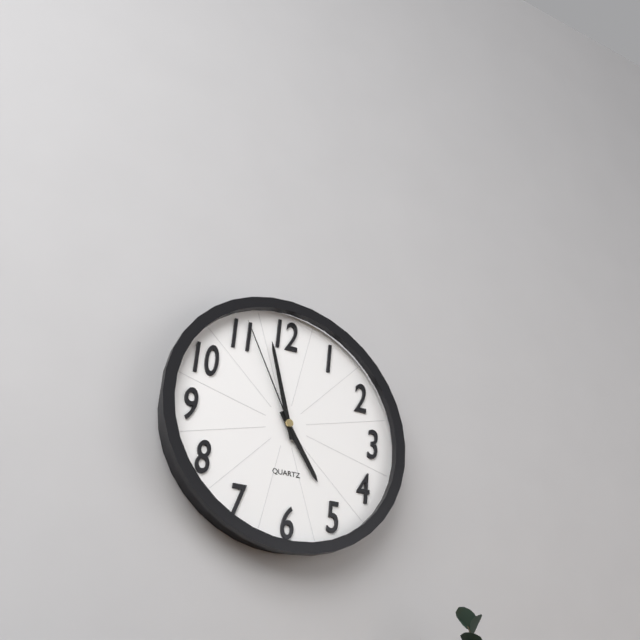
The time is 4,58,56
